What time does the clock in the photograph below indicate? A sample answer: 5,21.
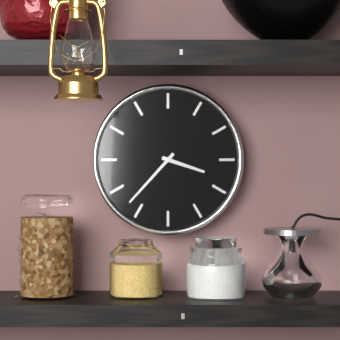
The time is 3,37
